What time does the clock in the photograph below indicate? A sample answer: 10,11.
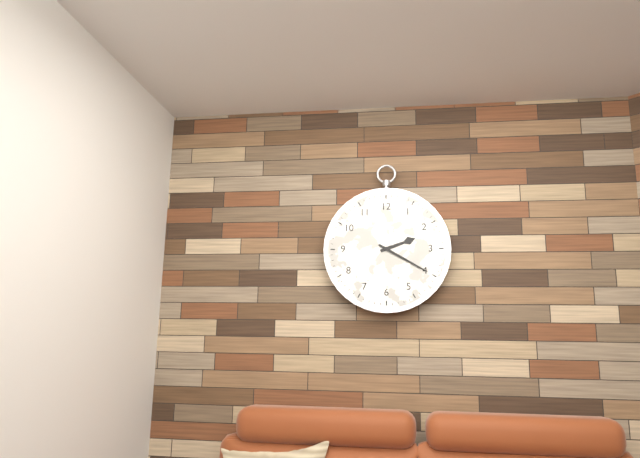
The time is 2,20
